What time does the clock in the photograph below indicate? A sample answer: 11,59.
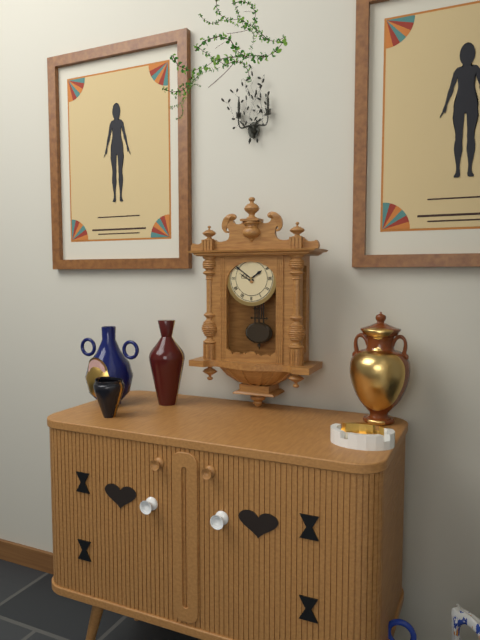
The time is 1,51
